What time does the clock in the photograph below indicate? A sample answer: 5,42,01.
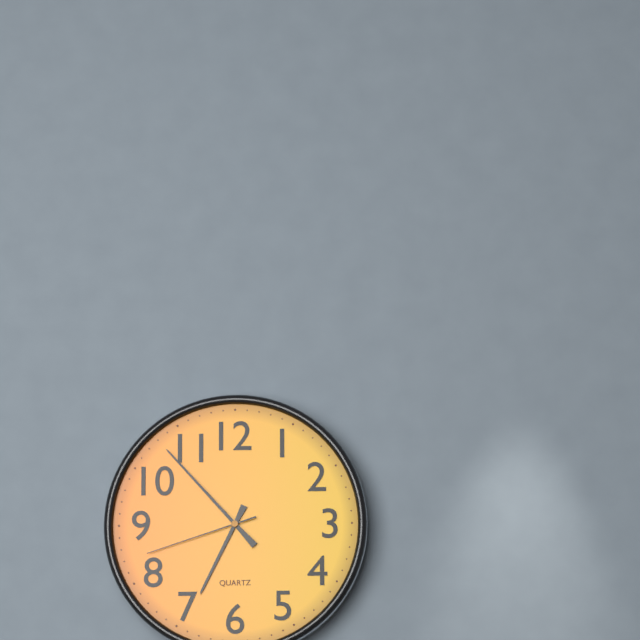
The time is 6,53,42
